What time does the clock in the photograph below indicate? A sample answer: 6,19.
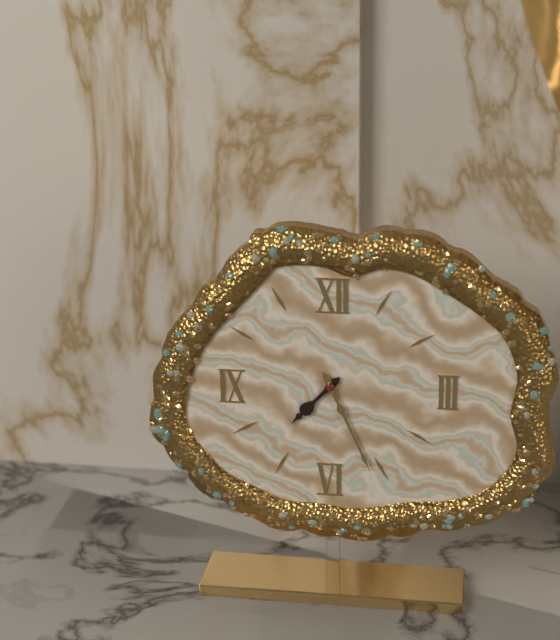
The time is 7,26
